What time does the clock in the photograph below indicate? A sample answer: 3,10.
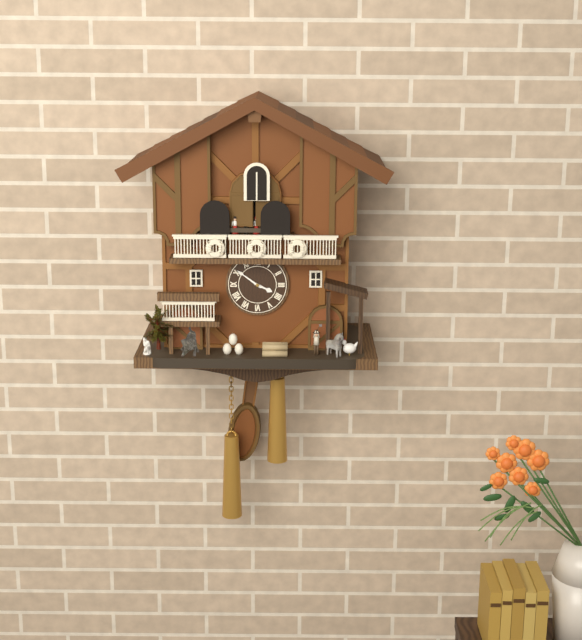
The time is 3,51
